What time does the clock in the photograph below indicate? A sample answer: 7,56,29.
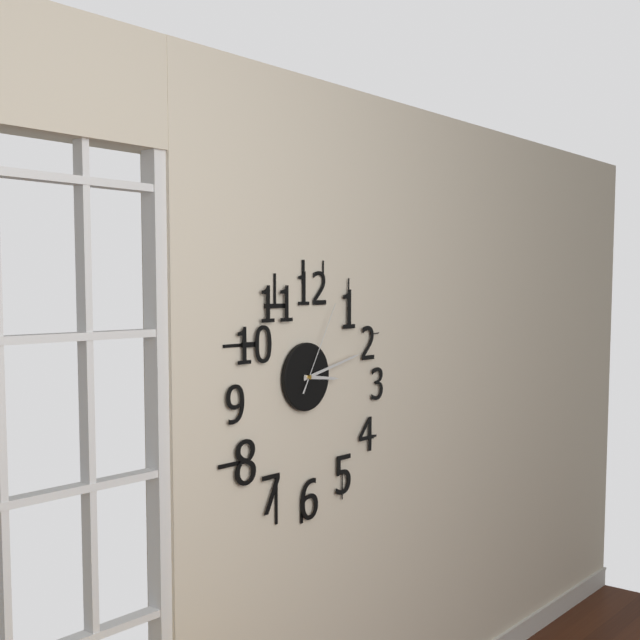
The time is 3,13,05
